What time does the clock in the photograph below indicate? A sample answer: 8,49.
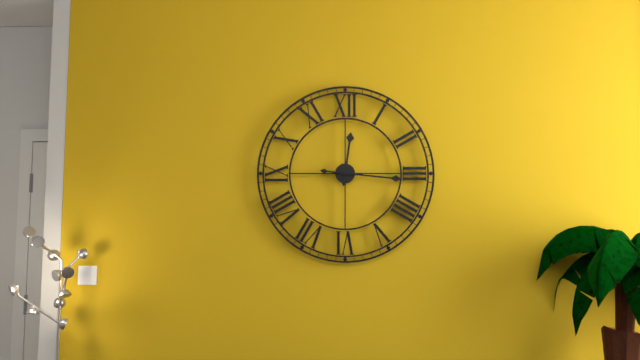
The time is 12,16
